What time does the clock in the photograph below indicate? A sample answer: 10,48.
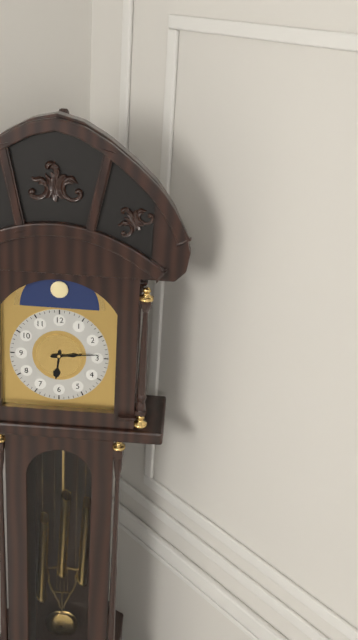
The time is 6,14
